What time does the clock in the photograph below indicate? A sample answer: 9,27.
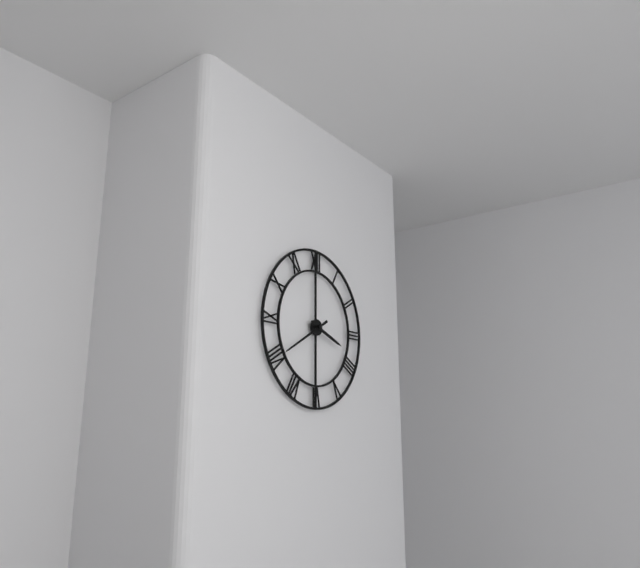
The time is 3,40
